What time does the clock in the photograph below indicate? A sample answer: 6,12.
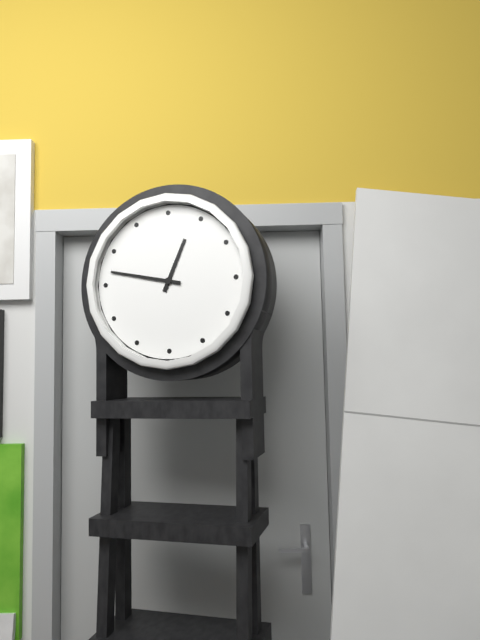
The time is 12,47
